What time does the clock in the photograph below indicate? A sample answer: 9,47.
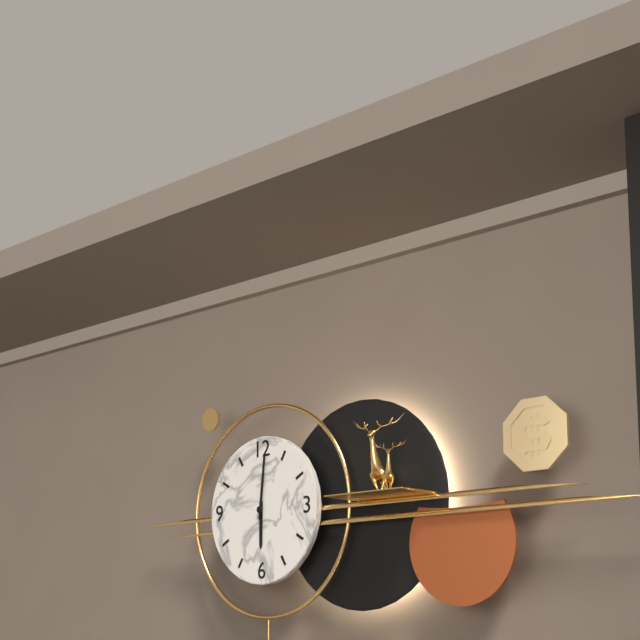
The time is 6,01
